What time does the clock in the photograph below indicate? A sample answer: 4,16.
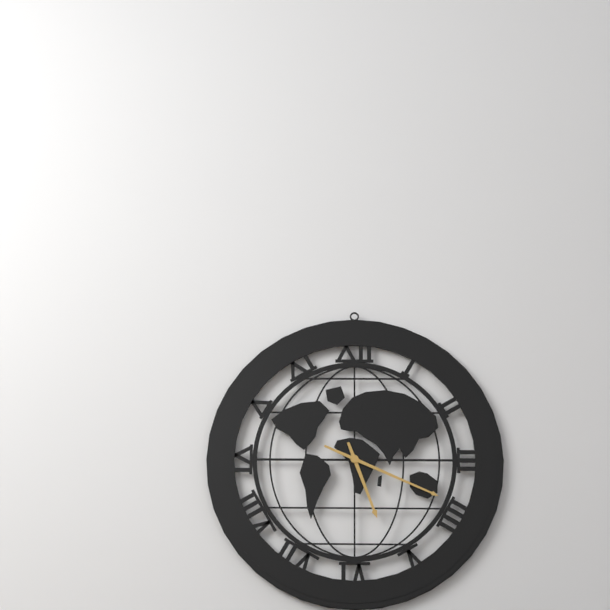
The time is 5,19
